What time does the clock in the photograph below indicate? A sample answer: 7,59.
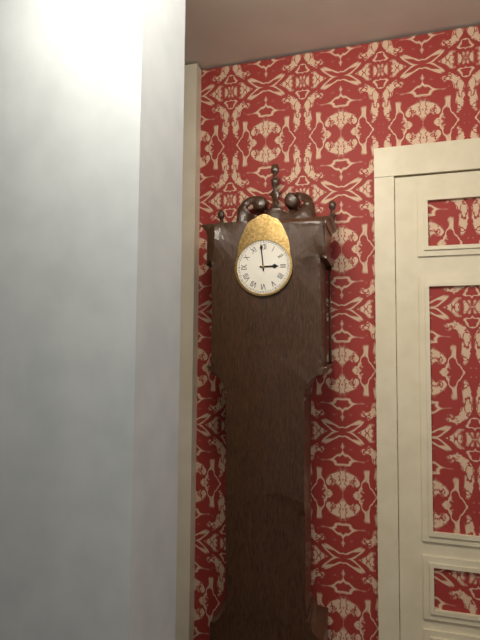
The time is 2,59
